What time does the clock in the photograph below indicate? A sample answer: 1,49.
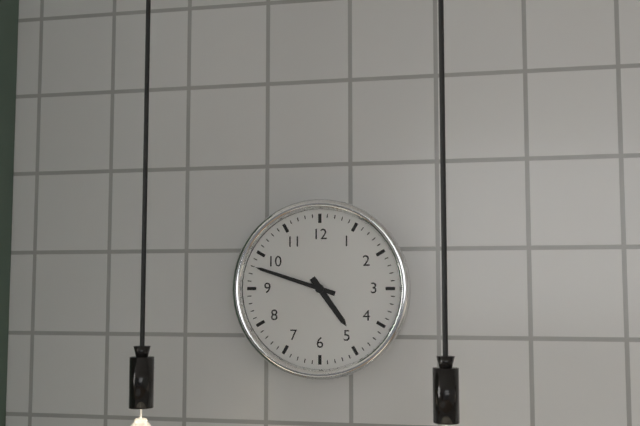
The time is 4,48
